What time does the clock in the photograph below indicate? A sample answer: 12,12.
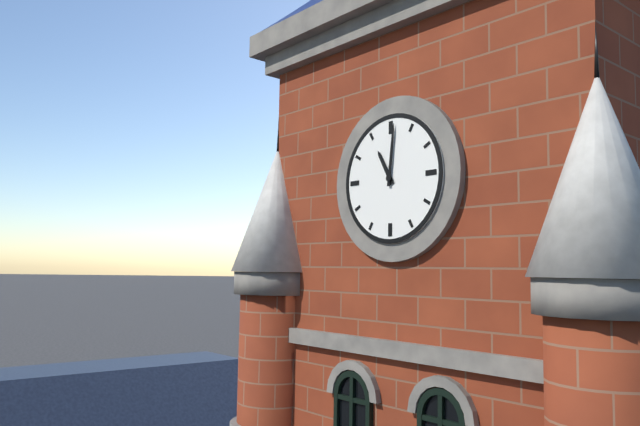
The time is 11,01
